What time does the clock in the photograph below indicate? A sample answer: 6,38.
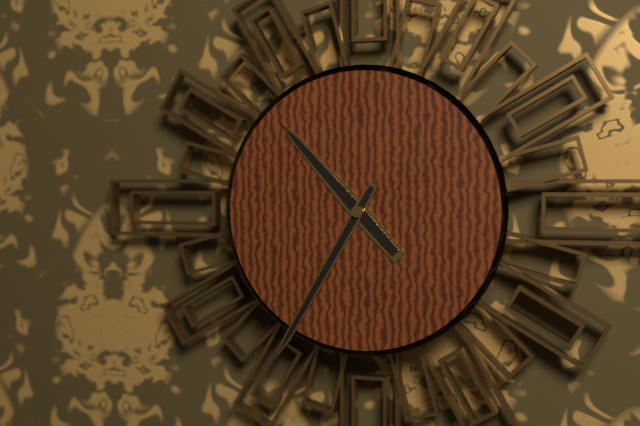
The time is 10,35
